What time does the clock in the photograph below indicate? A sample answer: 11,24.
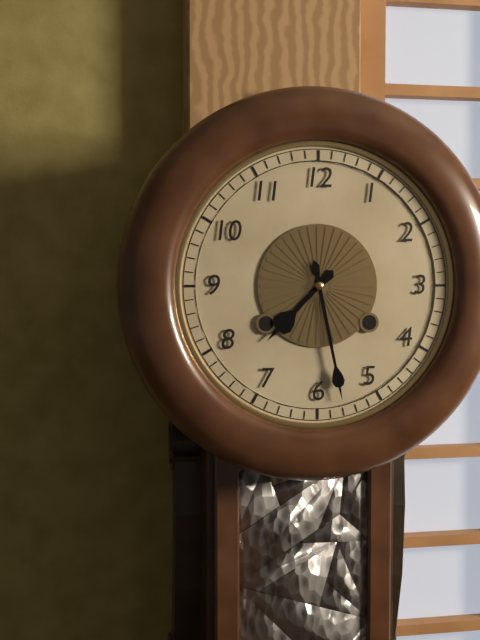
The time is 7,28
